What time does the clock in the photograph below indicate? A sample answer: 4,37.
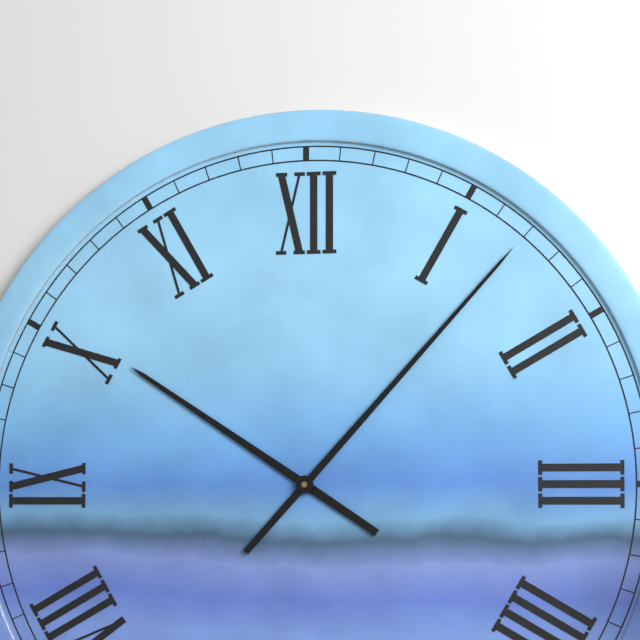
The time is 10,07
